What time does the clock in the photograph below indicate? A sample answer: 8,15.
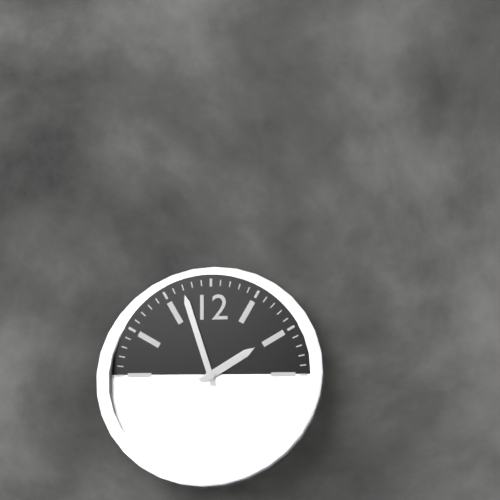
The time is 1,57
